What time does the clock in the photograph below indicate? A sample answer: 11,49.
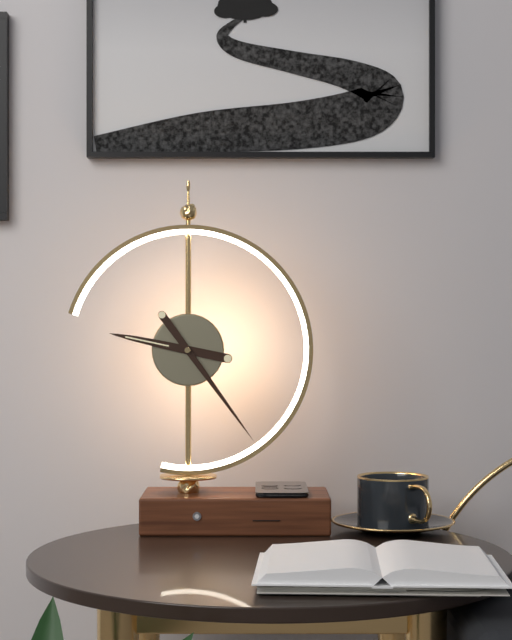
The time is 9,24
